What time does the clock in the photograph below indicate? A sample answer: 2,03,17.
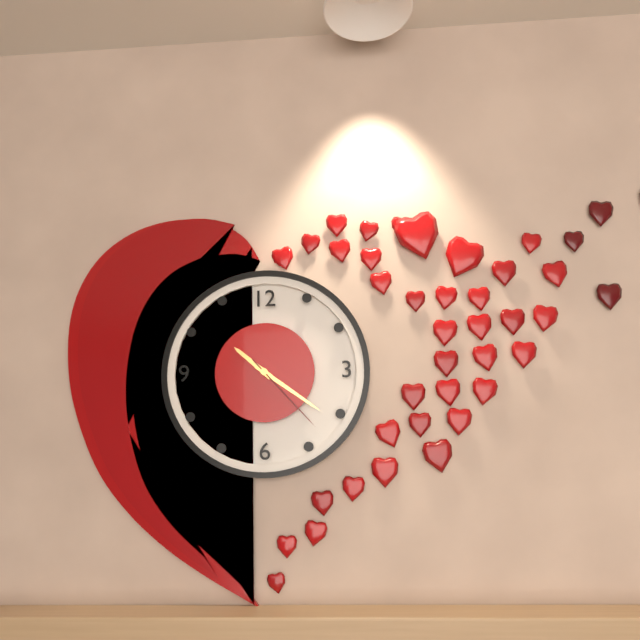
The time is 10,21,23
